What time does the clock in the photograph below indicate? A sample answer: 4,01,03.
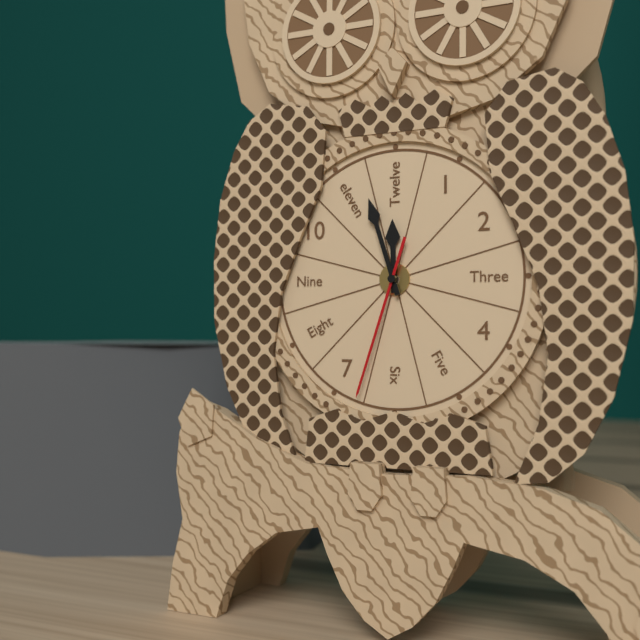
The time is 11,57,33
